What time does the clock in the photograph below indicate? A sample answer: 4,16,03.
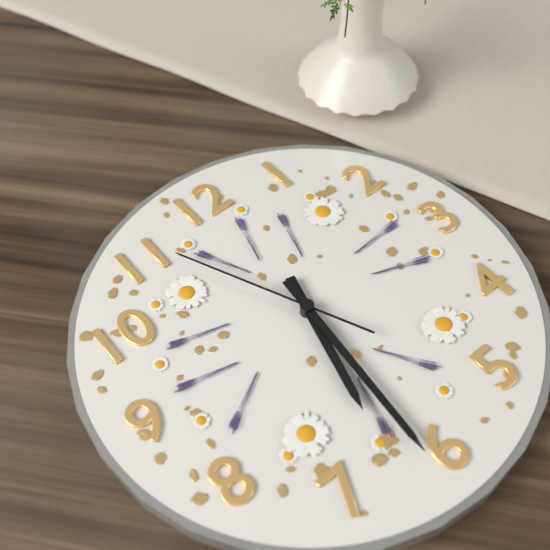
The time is 6,31,56
